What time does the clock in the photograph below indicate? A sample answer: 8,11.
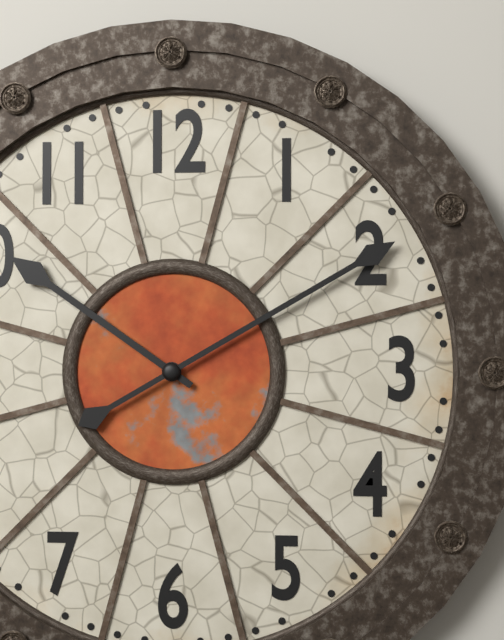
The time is 10,10
